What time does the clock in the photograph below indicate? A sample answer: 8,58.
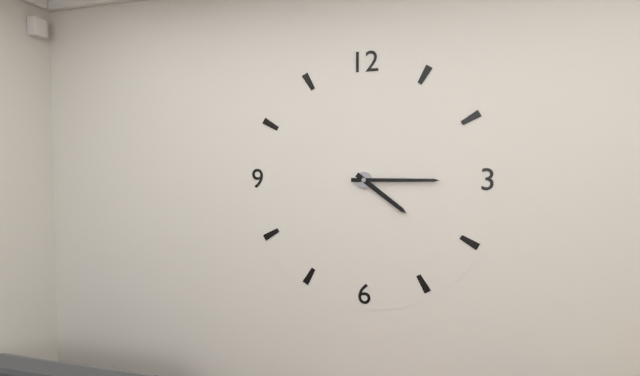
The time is 4,15
